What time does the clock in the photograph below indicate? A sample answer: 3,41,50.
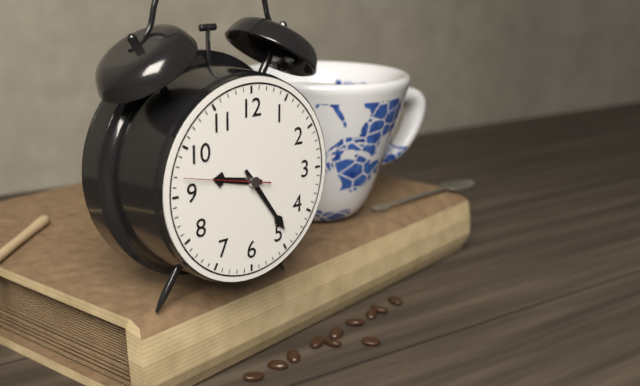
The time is 9,24,47
